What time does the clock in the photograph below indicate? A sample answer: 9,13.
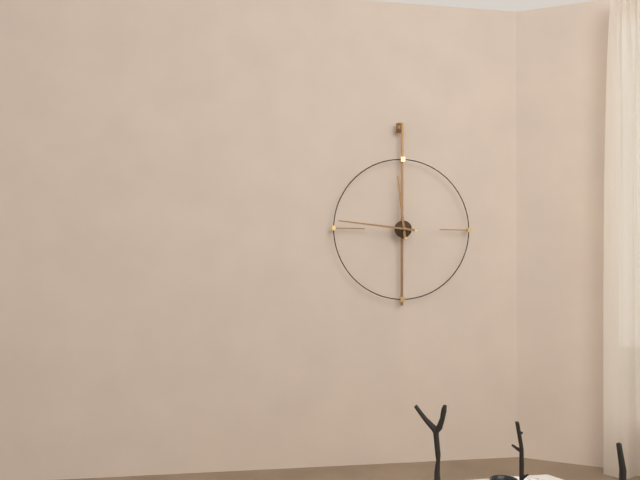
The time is 11,46
